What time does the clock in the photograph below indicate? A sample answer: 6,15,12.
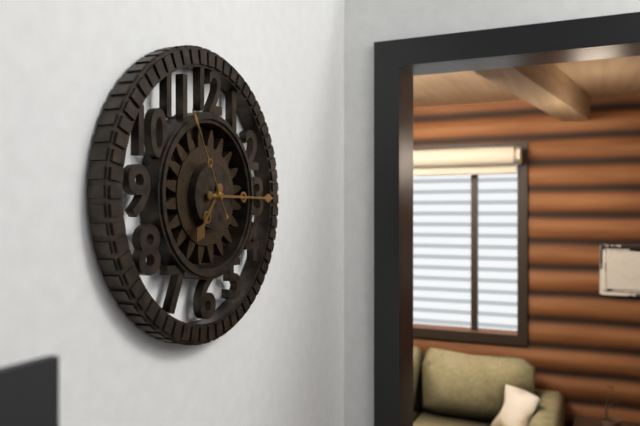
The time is 7,15,55
